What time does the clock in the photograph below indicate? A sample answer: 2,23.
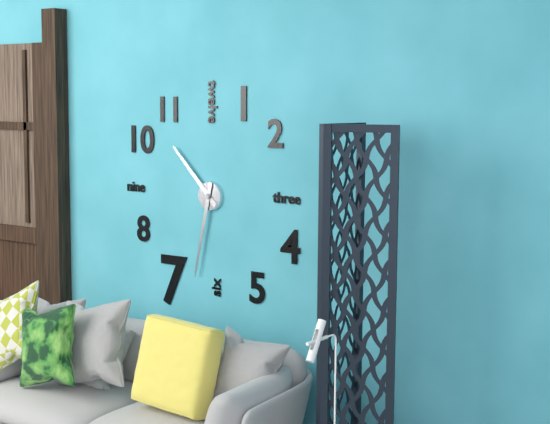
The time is 10,32
